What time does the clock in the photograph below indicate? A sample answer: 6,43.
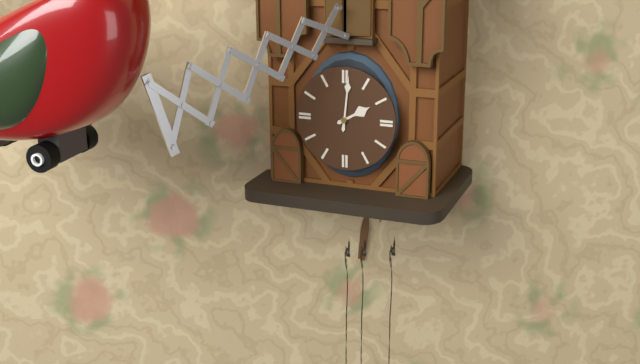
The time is 2,01
